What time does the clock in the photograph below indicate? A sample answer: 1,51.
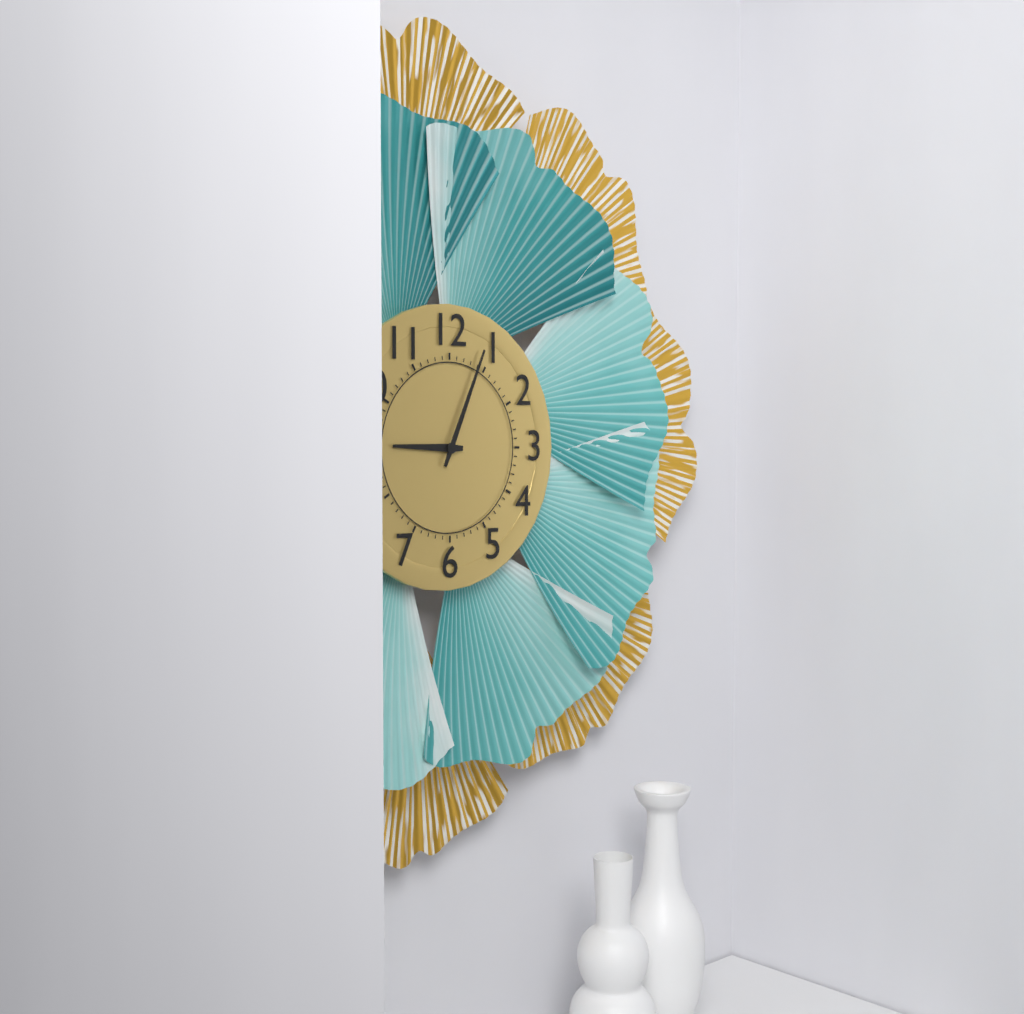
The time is 9,04
